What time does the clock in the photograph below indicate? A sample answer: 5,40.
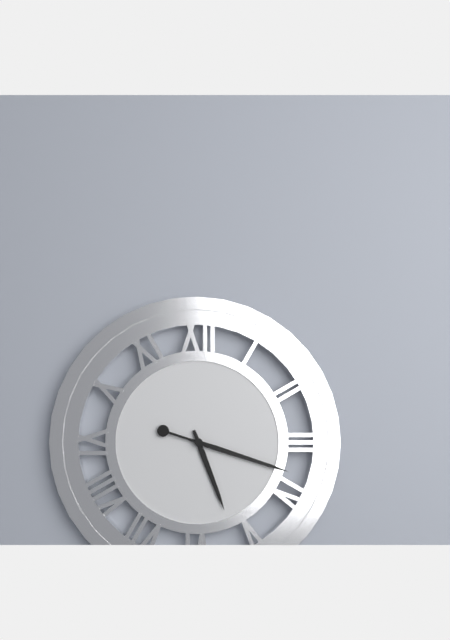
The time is 5,18
